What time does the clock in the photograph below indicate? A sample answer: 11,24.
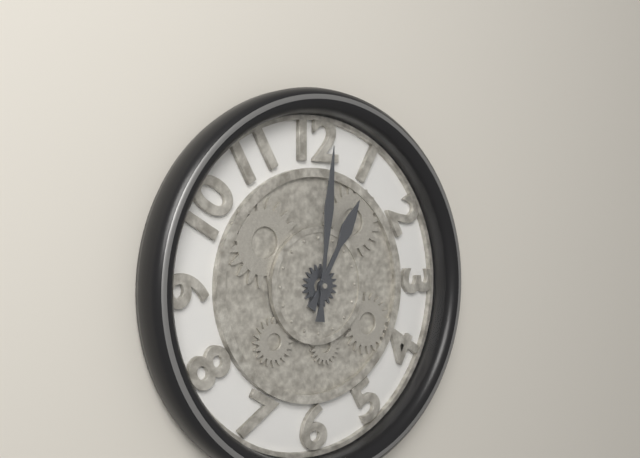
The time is 1,01
